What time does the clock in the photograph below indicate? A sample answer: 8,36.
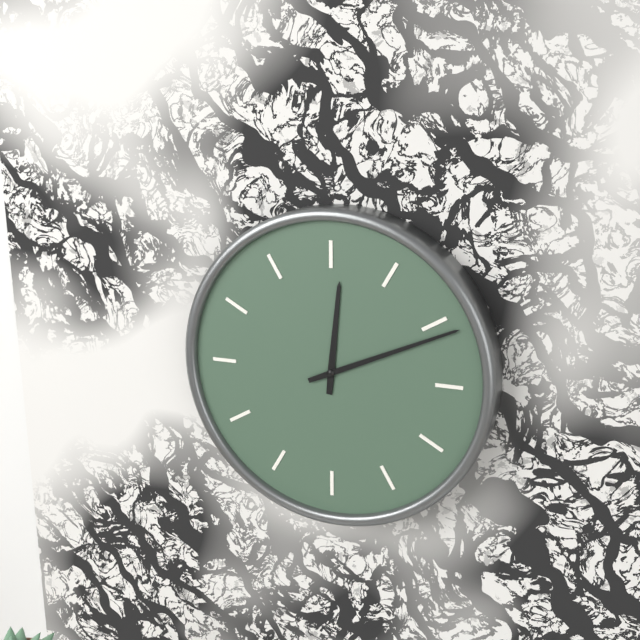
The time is 12,11
